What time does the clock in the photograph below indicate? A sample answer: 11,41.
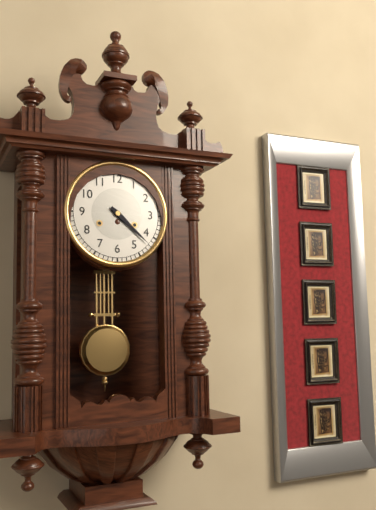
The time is 4,22
